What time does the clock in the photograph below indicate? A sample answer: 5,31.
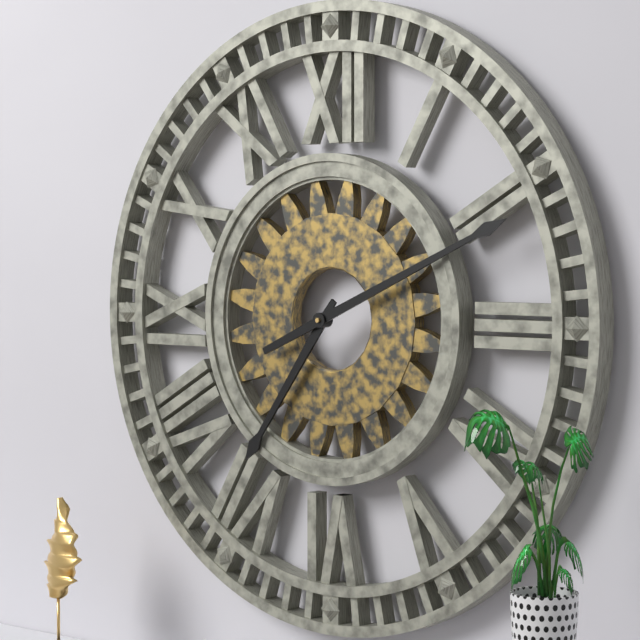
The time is 7,11
